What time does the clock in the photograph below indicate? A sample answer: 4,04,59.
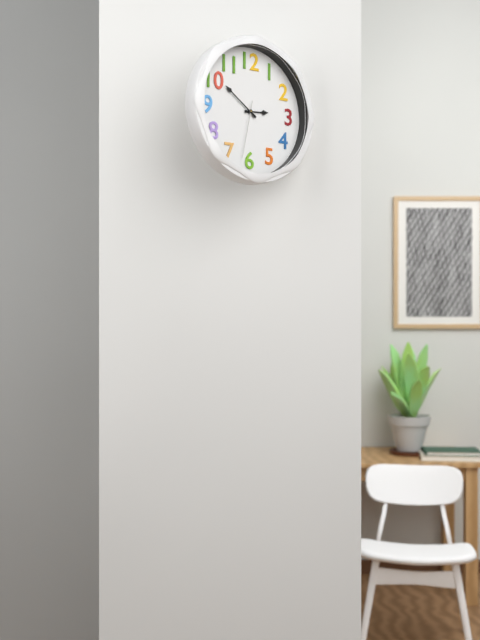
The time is 2,51,32
